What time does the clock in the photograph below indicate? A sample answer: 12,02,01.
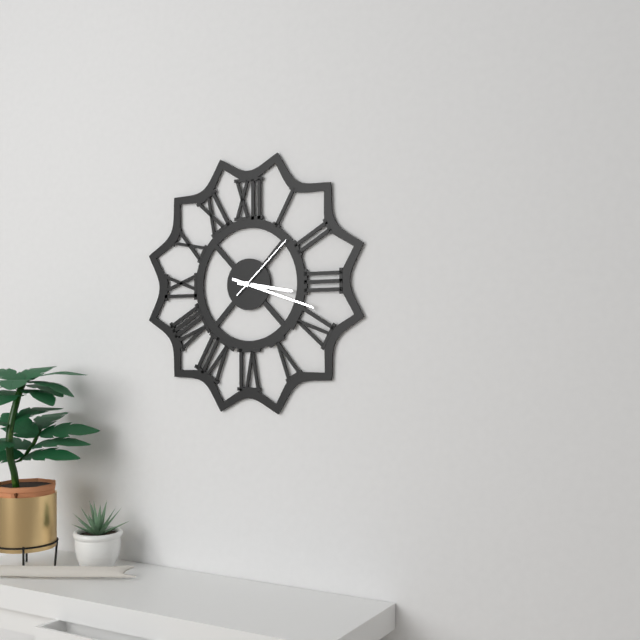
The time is 3,18,08
